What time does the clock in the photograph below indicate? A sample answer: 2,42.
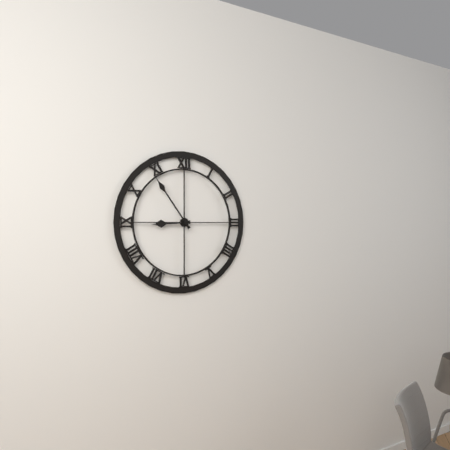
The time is 8,54
